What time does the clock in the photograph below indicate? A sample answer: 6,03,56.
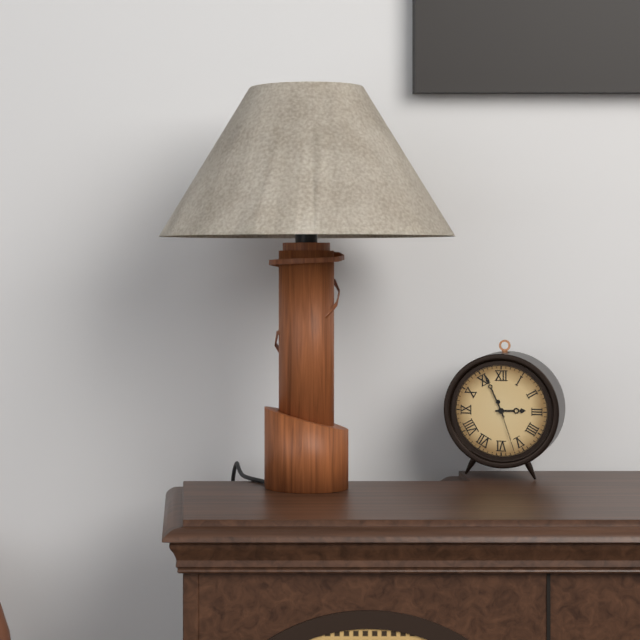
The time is 2,56,27
